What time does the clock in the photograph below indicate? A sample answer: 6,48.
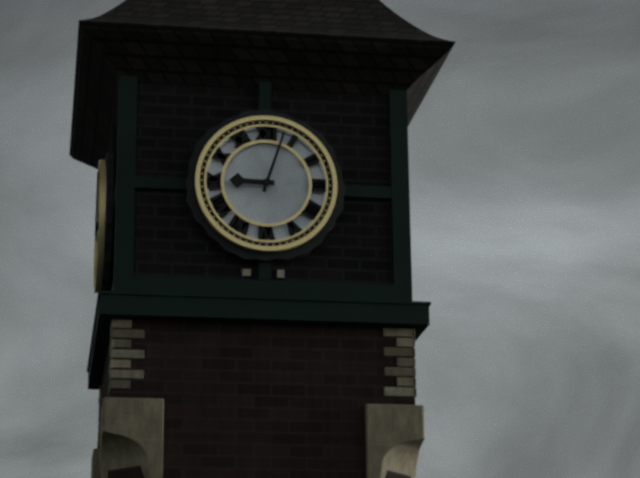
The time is 9,03
